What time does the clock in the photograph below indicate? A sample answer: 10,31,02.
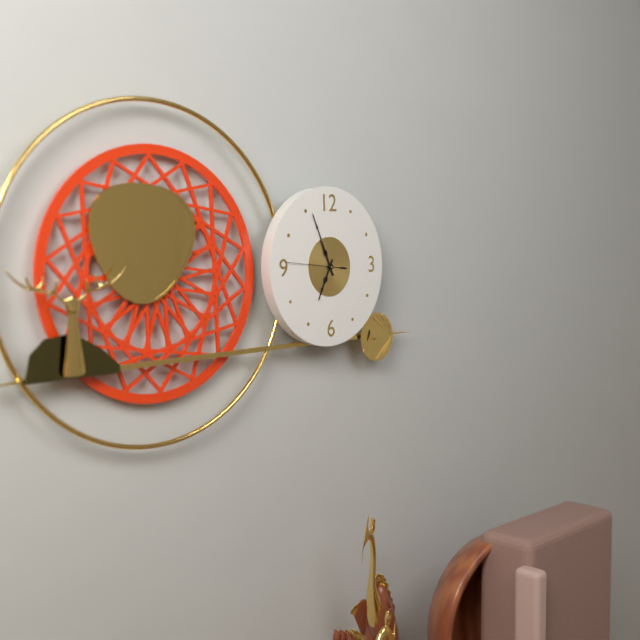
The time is 6,56,46
